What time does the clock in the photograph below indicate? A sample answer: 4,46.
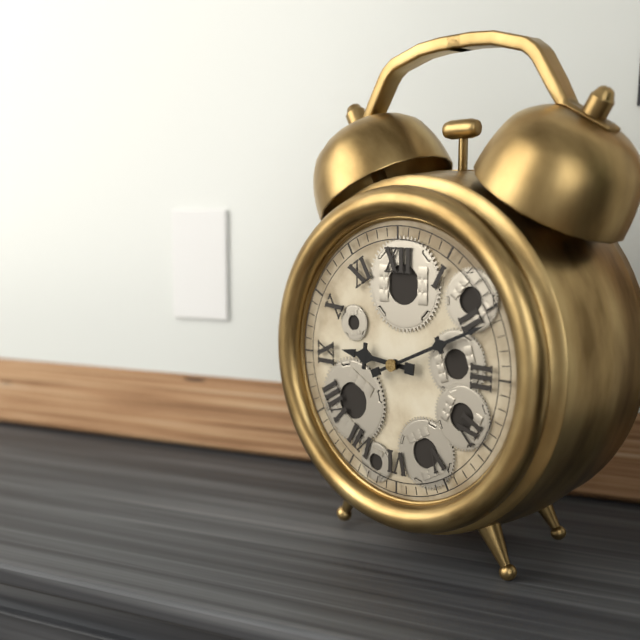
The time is 9,11
